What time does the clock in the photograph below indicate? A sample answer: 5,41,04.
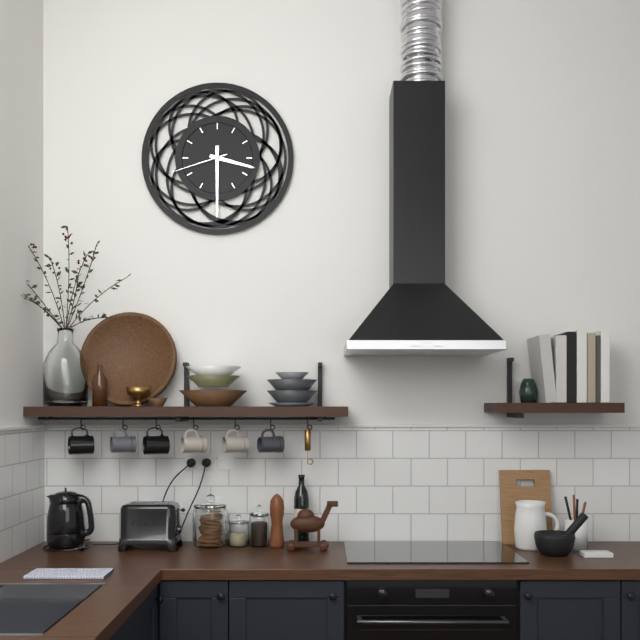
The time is 3,30,42
